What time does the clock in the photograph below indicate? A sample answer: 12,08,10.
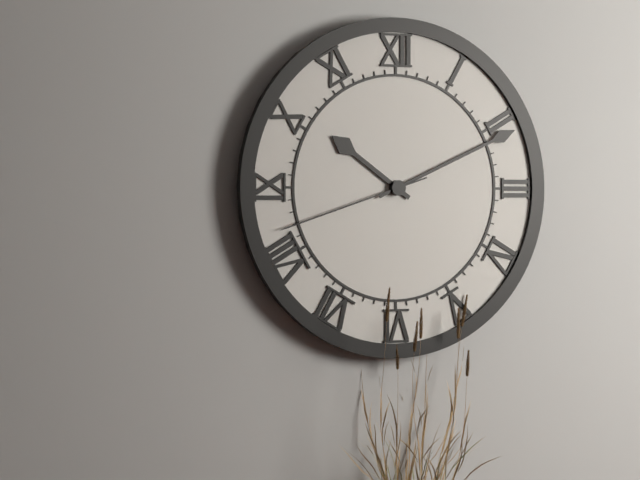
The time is 10,11,42
